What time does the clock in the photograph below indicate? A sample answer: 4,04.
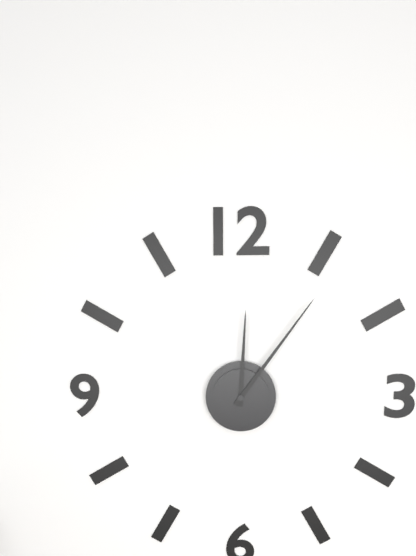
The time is 12,06
